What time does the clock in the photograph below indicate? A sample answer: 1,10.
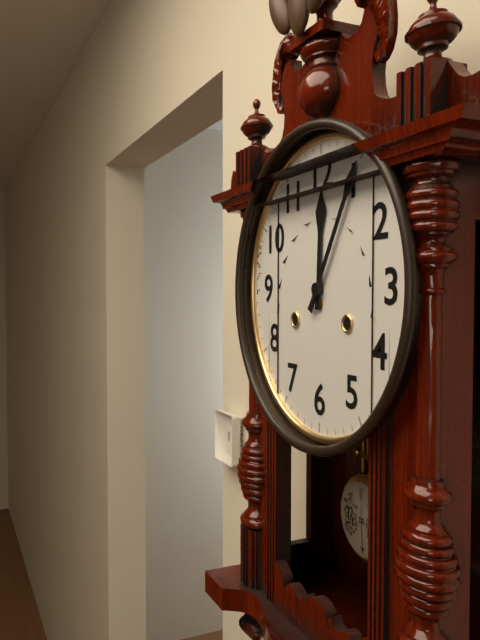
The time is 12,05
